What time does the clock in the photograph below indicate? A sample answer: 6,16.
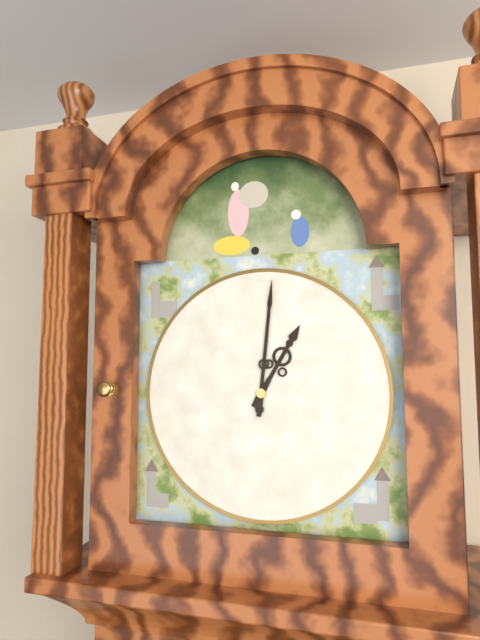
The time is 1,01
